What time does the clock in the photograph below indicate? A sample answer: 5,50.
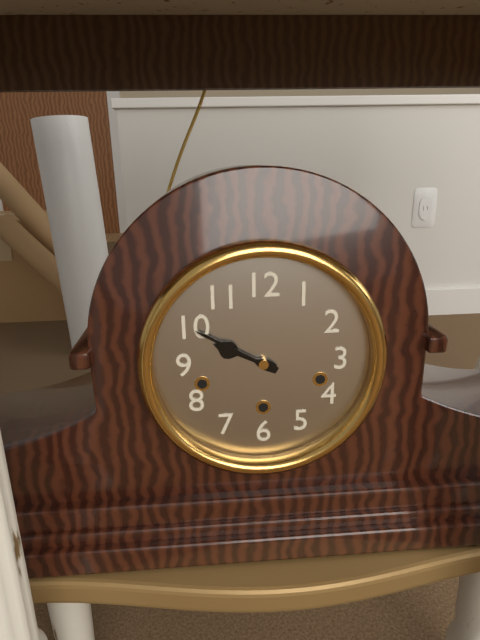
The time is 9,50
